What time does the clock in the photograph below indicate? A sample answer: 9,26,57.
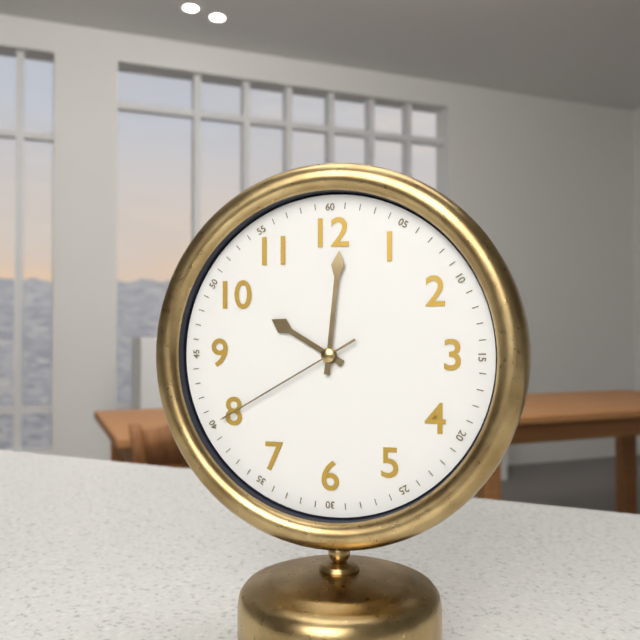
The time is 10,01,40
